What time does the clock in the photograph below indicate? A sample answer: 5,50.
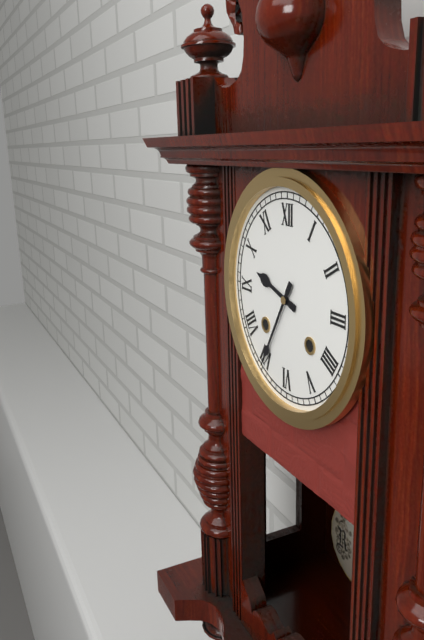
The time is 9,35
